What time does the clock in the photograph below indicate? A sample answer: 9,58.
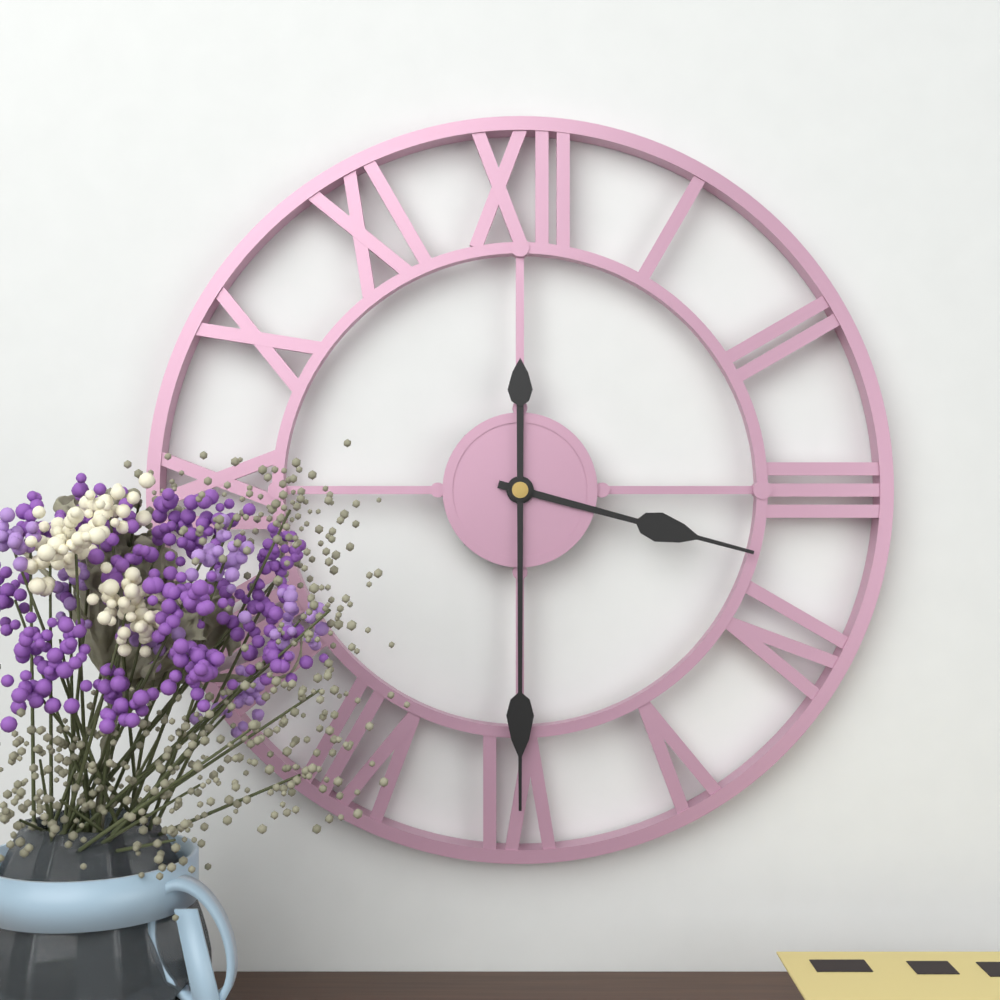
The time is 3,30
